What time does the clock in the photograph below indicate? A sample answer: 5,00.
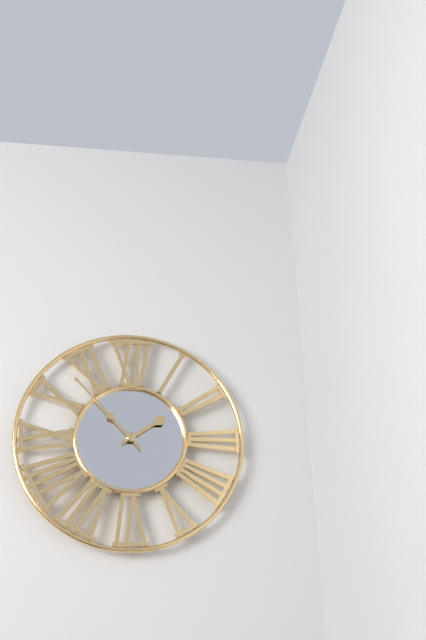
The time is 1,53
